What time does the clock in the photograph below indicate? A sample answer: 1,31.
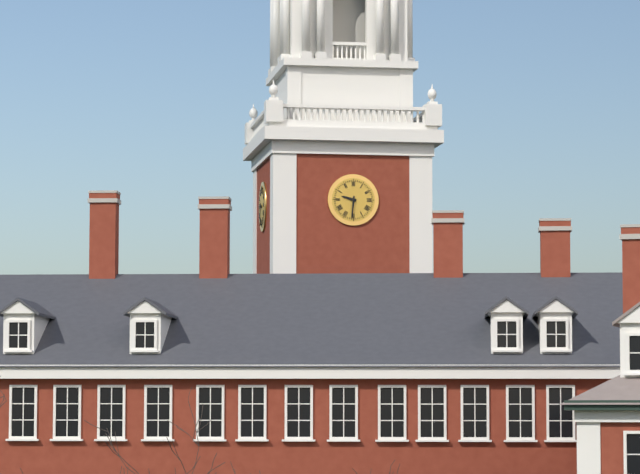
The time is 9,31
